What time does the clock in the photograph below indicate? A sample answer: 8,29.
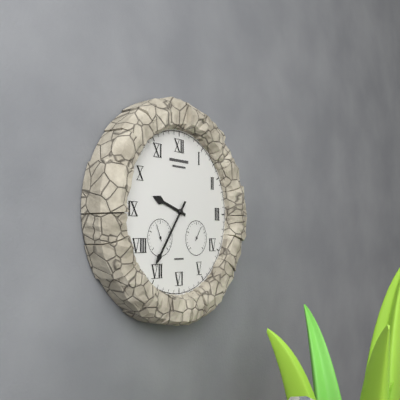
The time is 9,36
